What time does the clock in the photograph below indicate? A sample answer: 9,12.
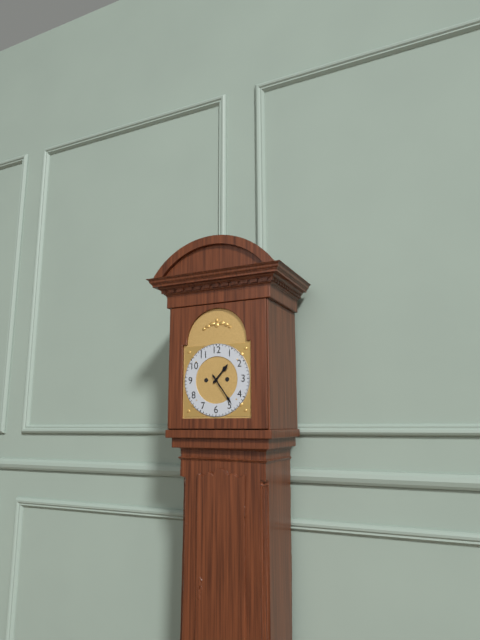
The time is 1,24
